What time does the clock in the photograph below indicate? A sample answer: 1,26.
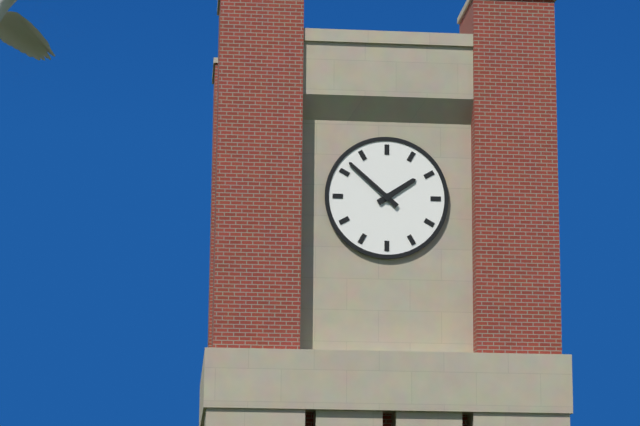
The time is 1,52
